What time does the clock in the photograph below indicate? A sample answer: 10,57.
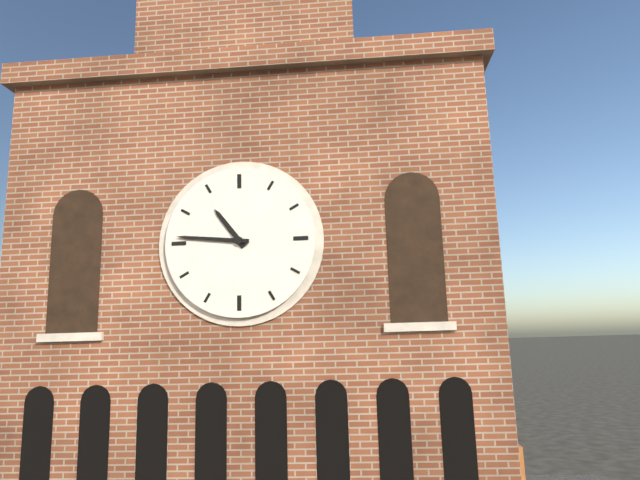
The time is 10,46
